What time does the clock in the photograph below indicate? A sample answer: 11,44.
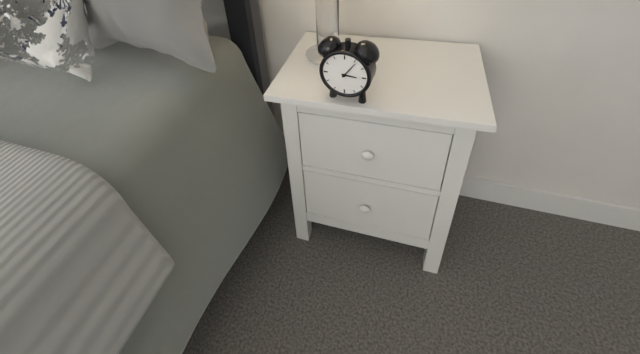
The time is 3,06
